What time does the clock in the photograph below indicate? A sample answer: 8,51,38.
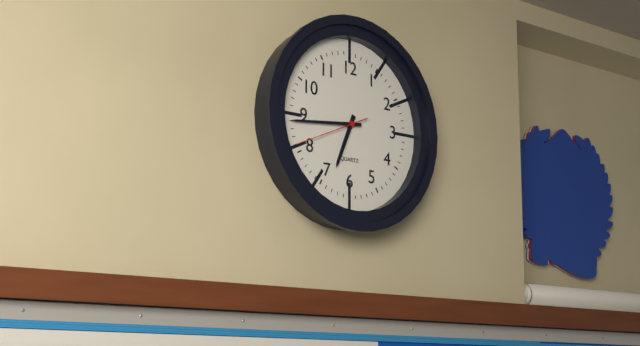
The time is 6,44,41
